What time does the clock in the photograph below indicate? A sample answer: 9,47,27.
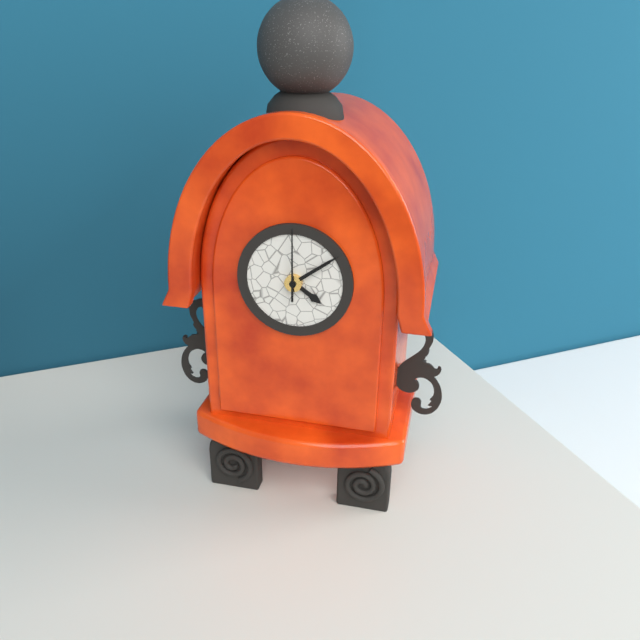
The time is 4,09,00
